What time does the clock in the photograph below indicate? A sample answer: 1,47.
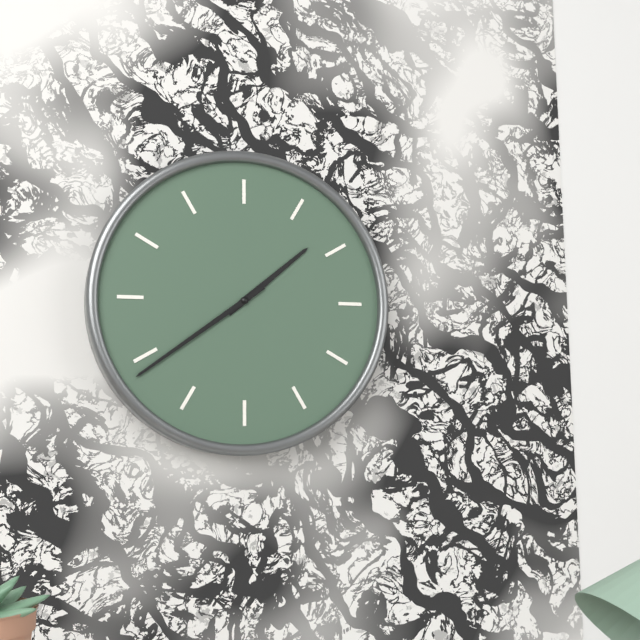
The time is 1,39
